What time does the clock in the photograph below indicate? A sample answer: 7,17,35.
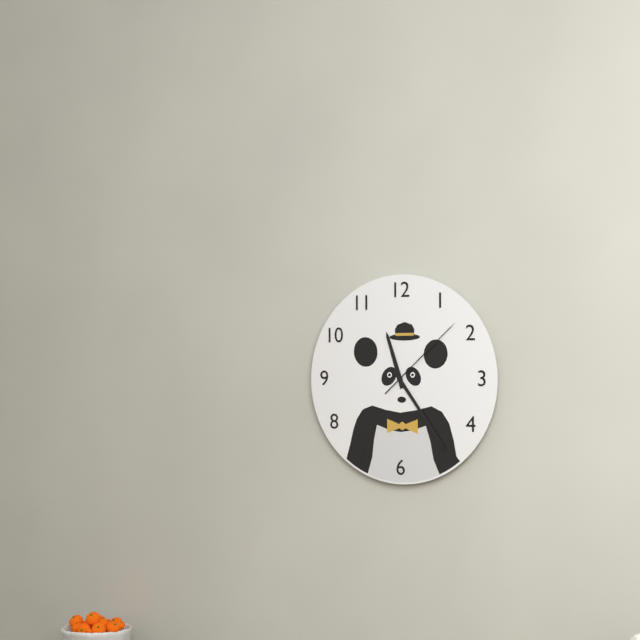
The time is 11,24,08
